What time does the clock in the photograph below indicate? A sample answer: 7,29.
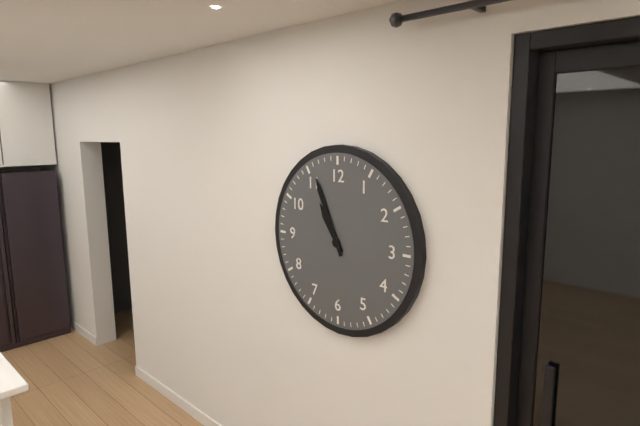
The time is 10,56
